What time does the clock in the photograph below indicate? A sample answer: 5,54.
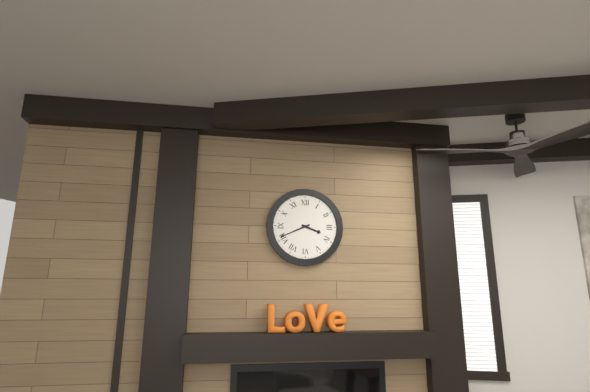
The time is 3,41
